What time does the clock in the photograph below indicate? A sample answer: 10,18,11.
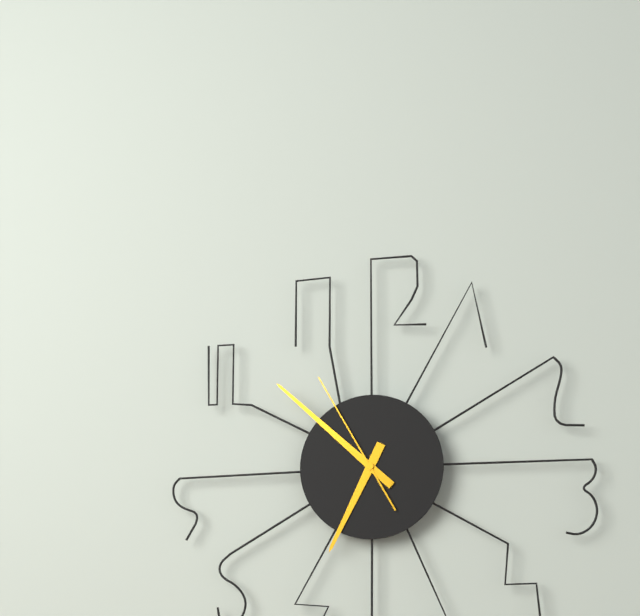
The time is 6,52,55
